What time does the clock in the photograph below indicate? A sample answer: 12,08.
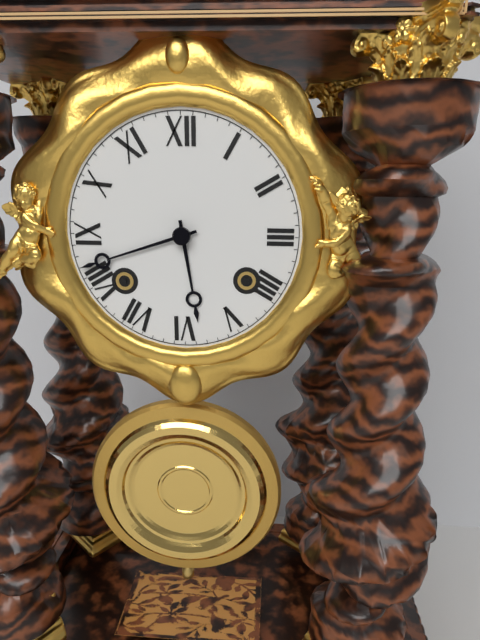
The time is 5,42
